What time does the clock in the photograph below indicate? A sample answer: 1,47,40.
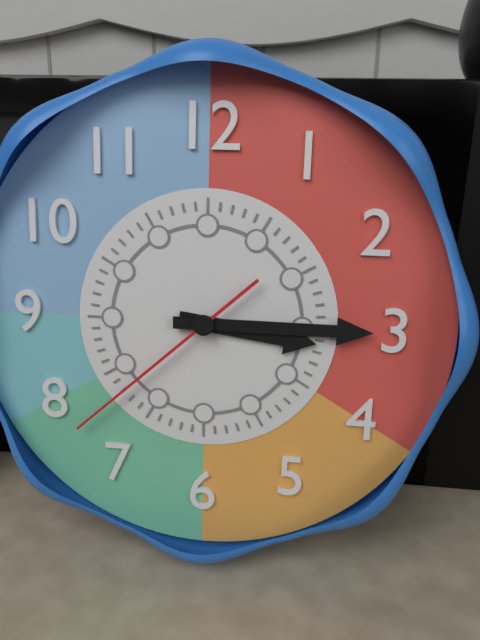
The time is 3,15,38
